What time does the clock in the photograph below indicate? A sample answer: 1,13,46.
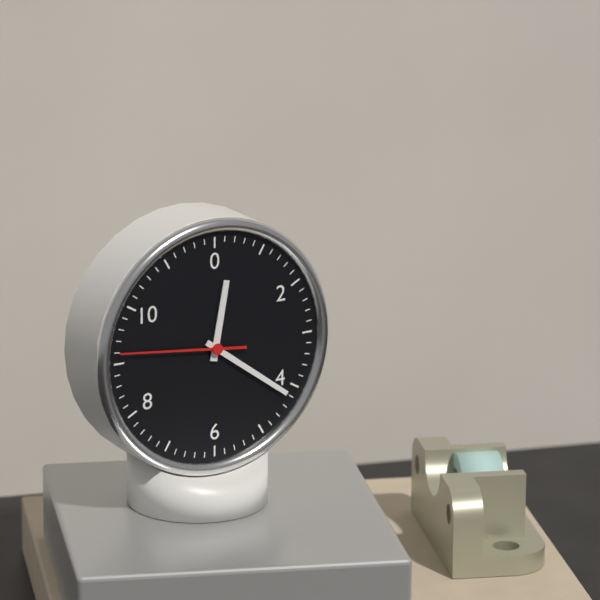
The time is 12,21,46
